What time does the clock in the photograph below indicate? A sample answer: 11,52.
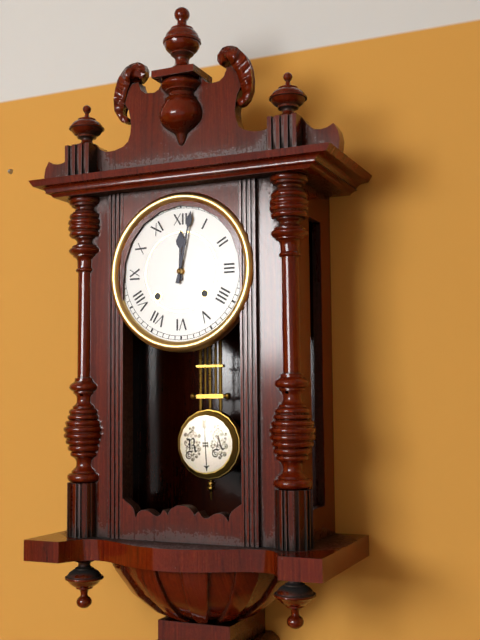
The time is 12,02
